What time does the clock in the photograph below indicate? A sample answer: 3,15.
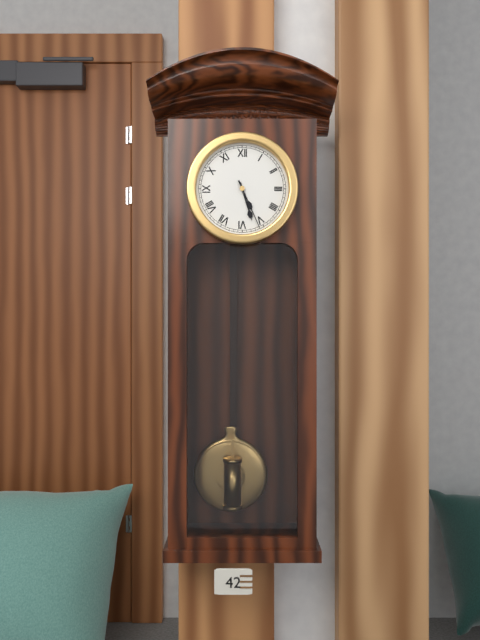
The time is 5,26
